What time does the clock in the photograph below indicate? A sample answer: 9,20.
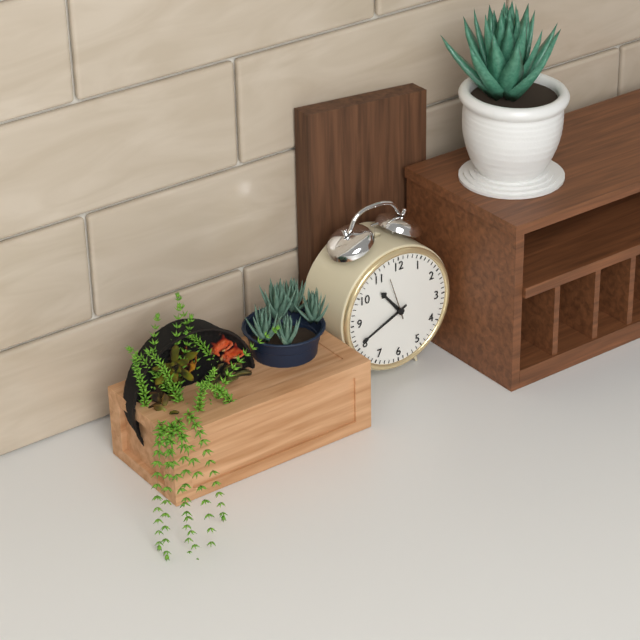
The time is 10,41
